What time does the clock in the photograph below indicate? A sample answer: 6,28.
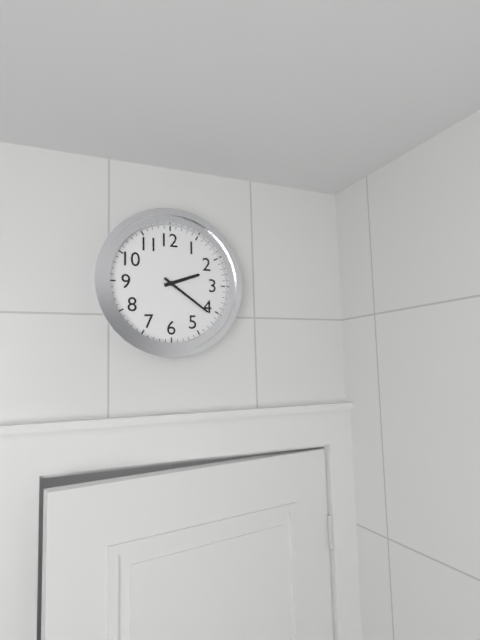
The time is 2,21
